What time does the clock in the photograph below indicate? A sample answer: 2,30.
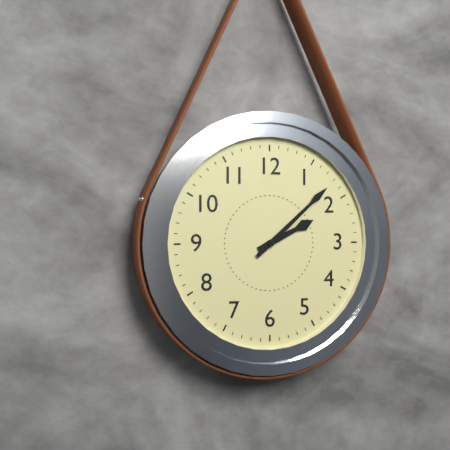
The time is 2,08
